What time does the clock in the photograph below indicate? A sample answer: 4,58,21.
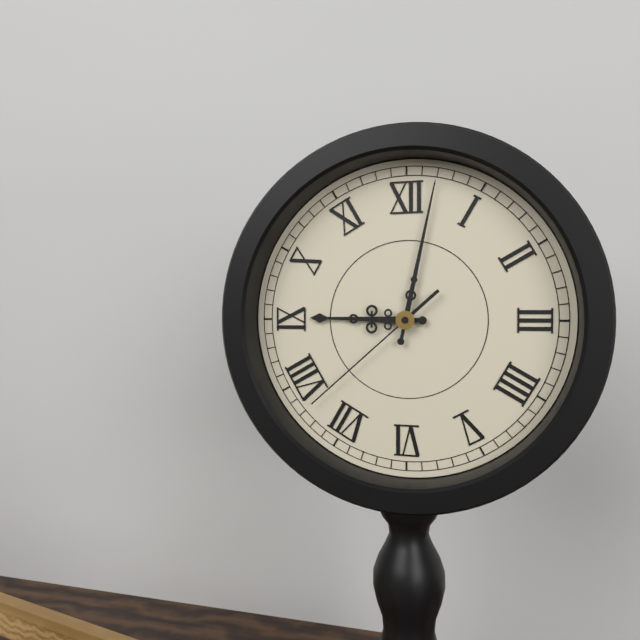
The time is 9,02,38
